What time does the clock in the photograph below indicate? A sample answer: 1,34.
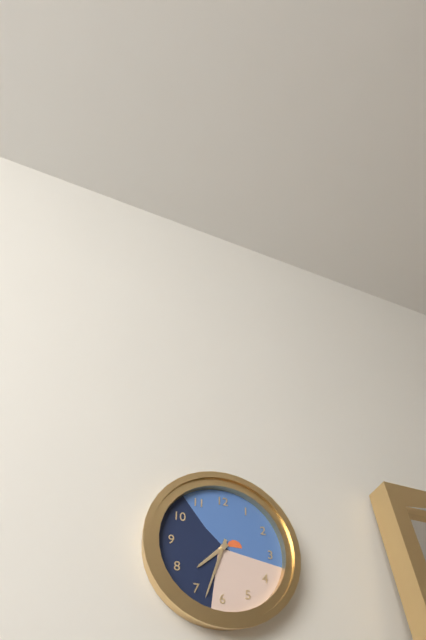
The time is 7,33
